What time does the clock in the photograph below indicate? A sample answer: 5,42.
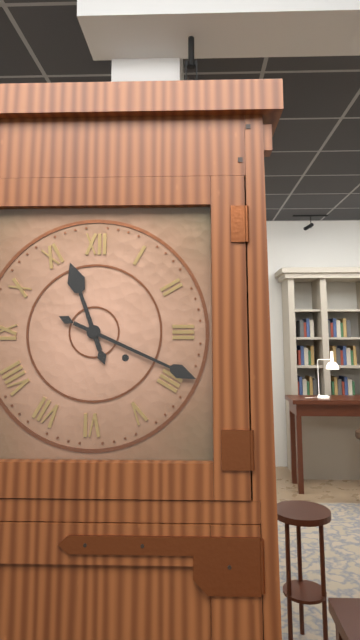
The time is 11,19
